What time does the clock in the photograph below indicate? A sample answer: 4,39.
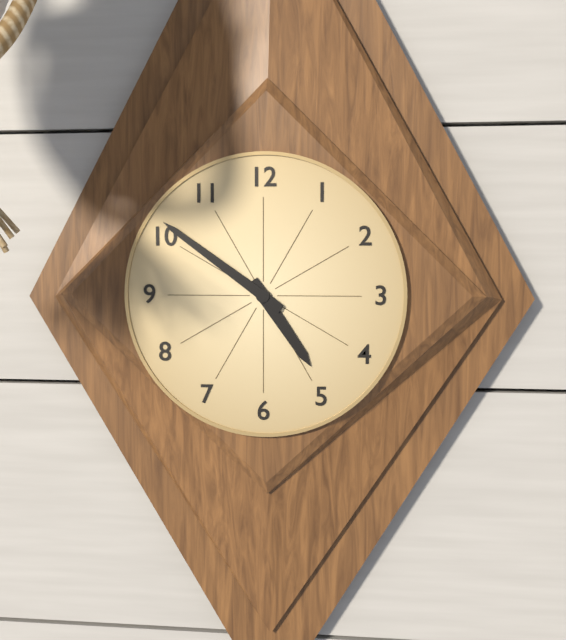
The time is 4,51
